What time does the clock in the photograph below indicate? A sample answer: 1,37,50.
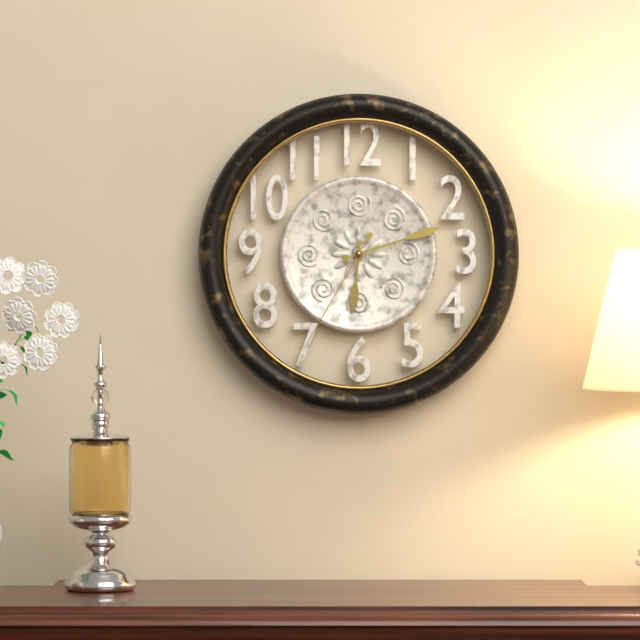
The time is 6,12,35
